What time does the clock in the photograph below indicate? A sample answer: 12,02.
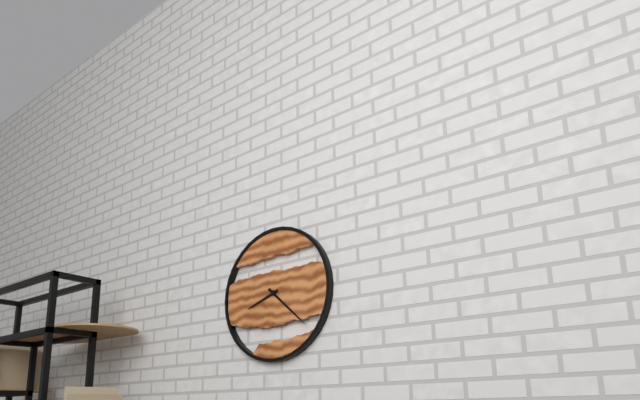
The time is 8,22
